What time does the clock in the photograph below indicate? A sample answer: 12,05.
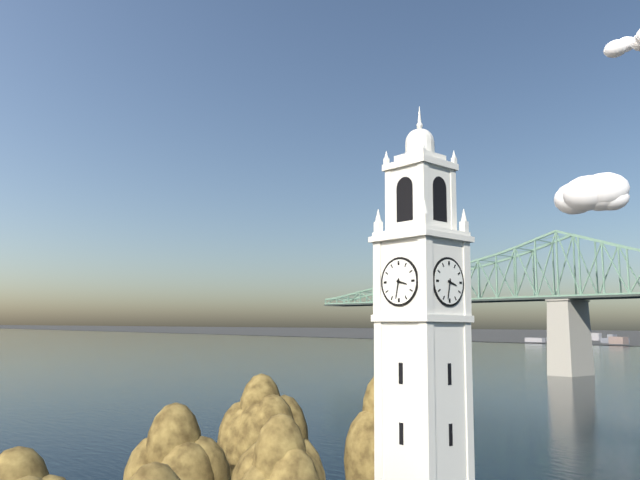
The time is 3,32
